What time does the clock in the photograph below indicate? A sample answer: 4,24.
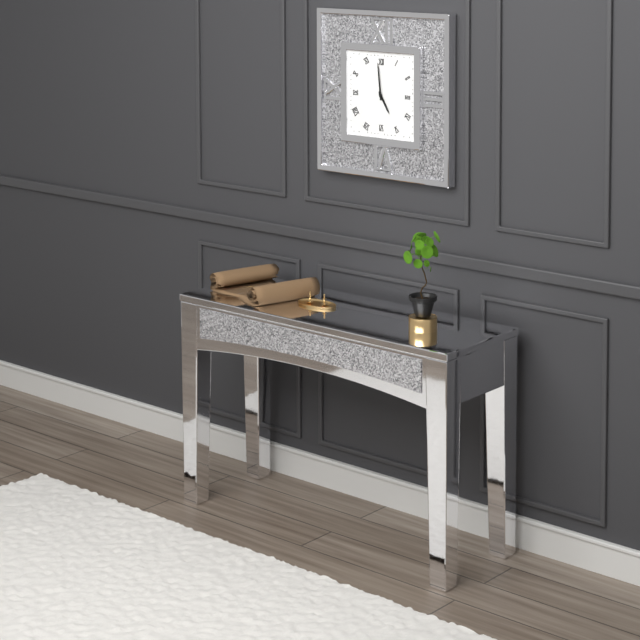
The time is 4,59
